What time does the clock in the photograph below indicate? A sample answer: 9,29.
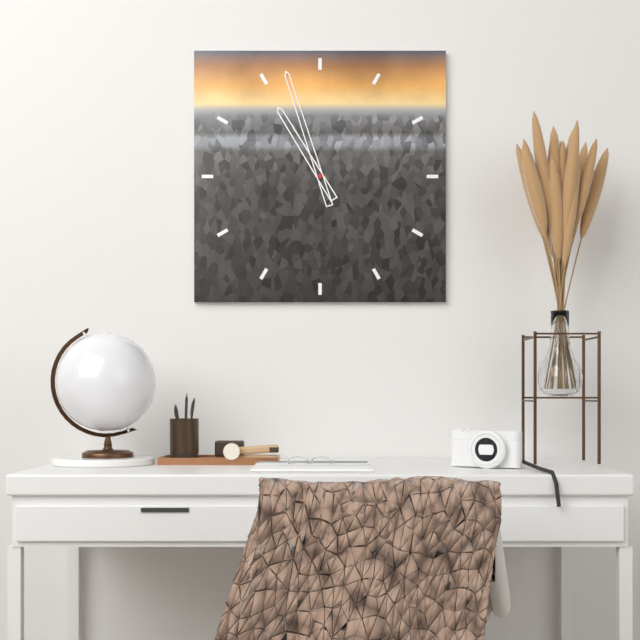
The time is 10,57
